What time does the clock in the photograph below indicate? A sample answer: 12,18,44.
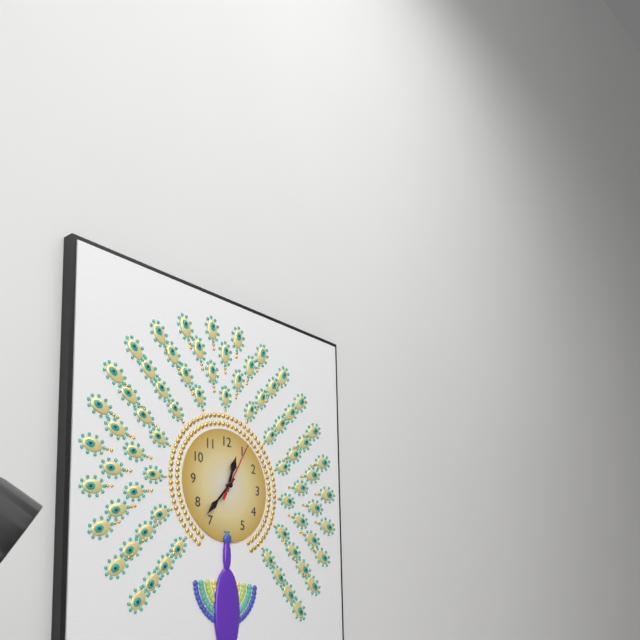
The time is 12,37,05
